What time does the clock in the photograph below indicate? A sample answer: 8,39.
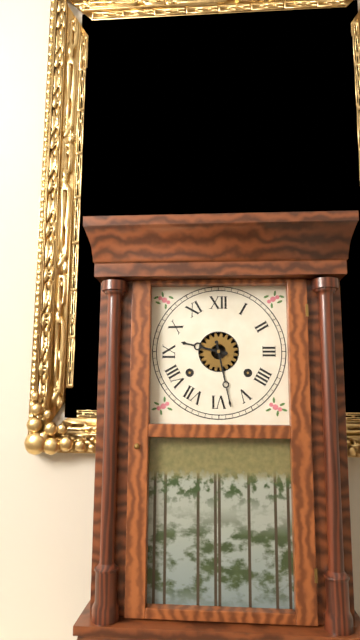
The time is 9,28
